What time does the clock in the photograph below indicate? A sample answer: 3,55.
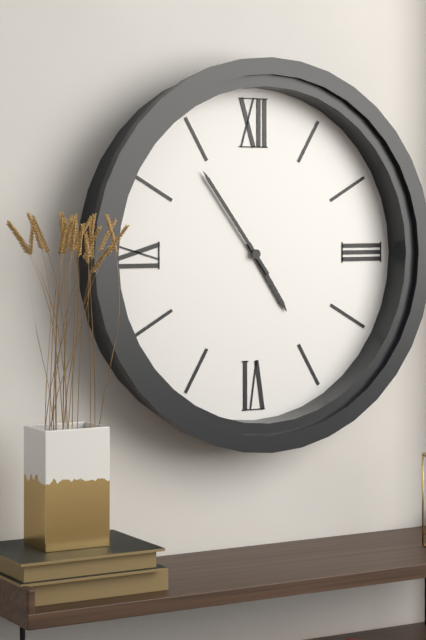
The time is 4,54
